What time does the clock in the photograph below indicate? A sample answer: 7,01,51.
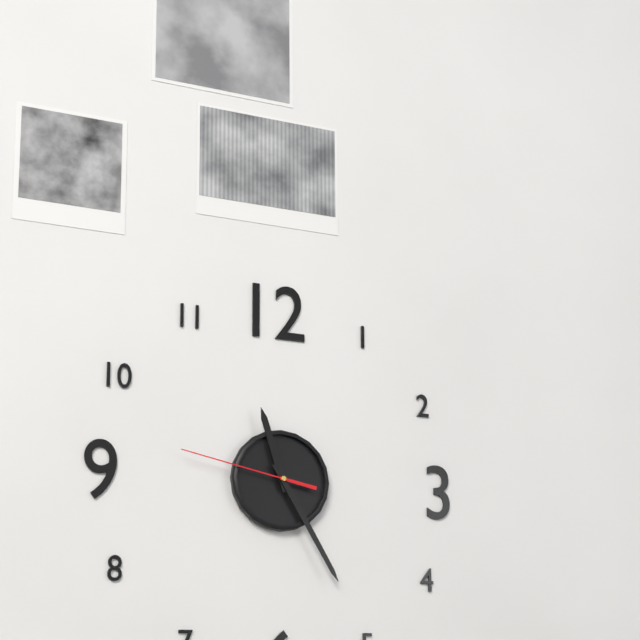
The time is 11,25,47
